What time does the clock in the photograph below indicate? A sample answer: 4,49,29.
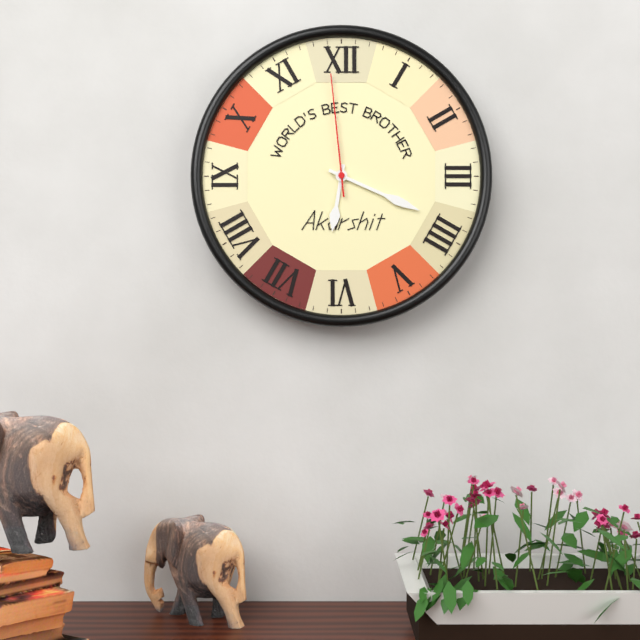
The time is 6,19,59
